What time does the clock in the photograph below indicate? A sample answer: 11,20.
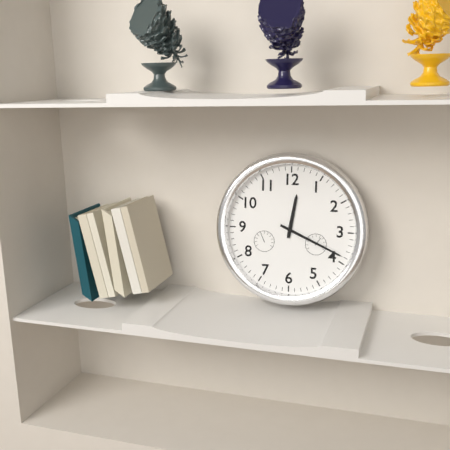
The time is 12,19
